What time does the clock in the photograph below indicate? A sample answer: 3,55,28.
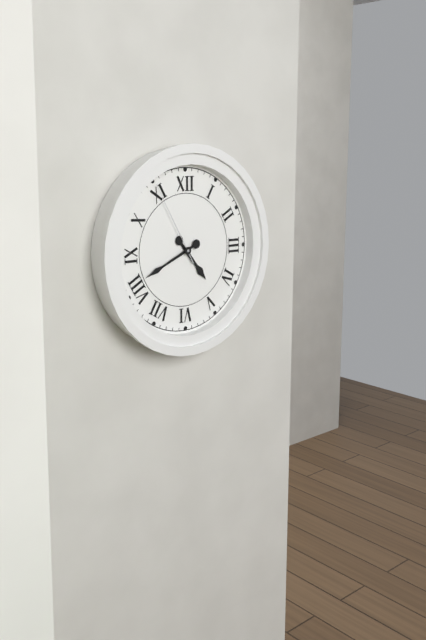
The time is 4,41,55
